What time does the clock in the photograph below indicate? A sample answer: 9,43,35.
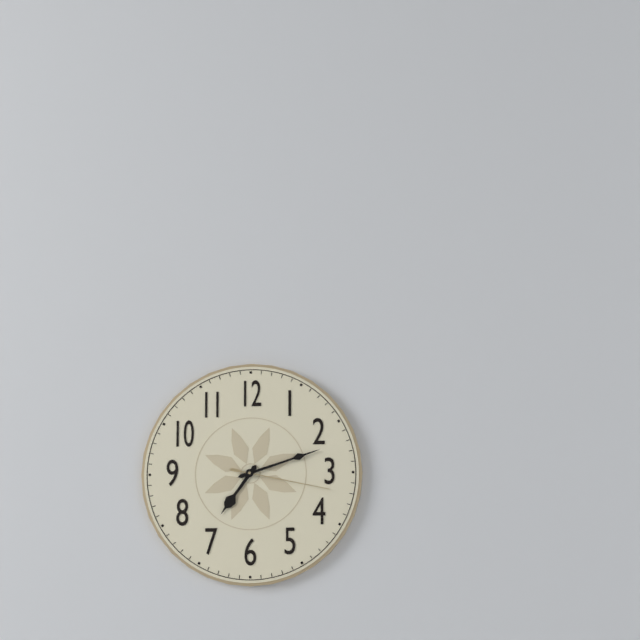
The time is 7,12,17
